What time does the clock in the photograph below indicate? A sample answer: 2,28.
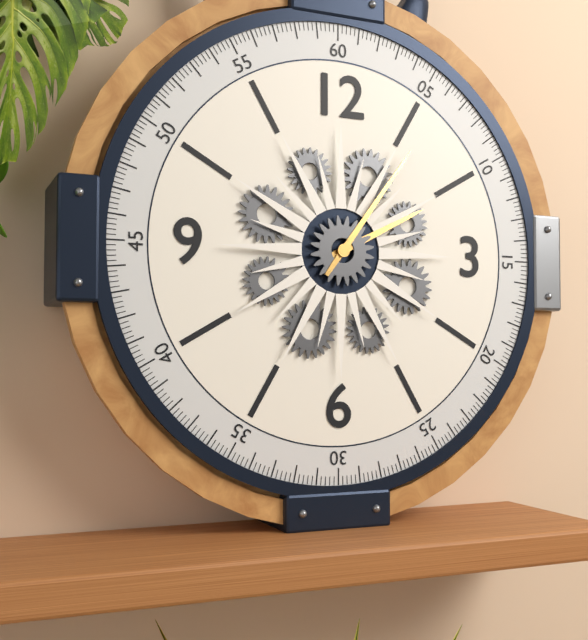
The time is 2,06
